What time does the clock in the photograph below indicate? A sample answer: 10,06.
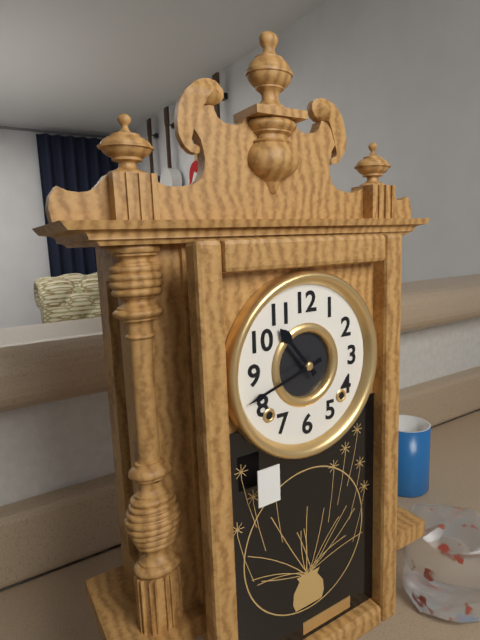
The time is 10,42
